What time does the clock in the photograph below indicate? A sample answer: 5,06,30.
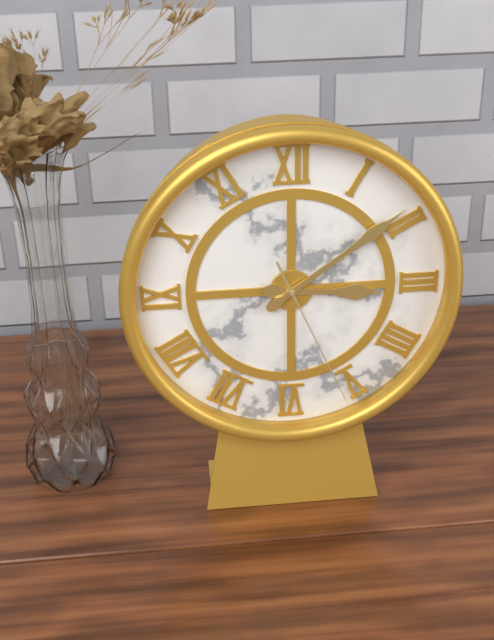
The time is 3,09,26
